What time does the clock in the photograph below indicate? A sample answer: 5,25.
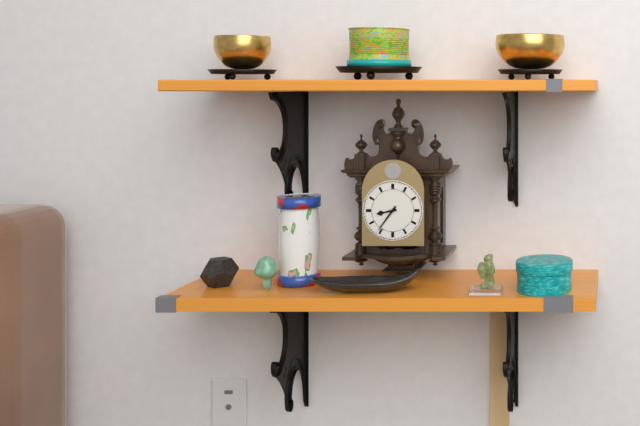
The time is 8,36
